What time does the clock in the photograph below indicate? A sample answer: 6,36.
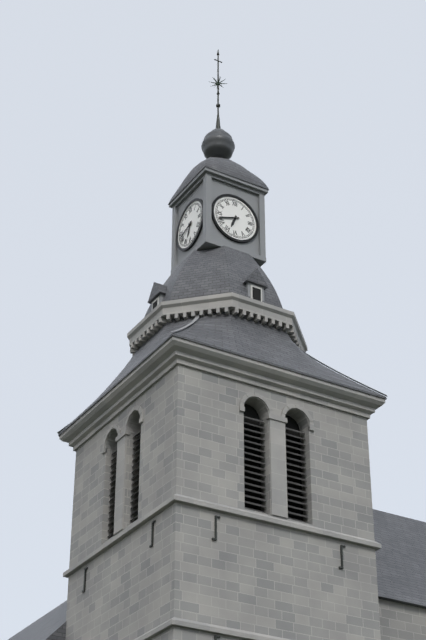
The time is 6,42
